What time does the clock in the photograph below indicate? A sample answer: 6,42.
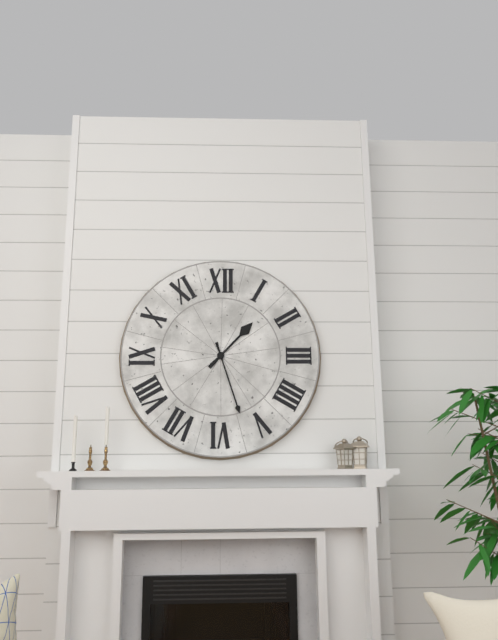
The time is 1,27
